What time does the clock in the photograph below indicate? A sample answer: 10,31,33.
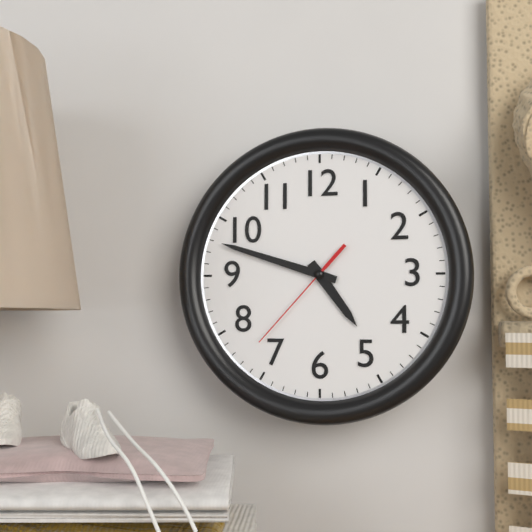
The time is 4,48,37
